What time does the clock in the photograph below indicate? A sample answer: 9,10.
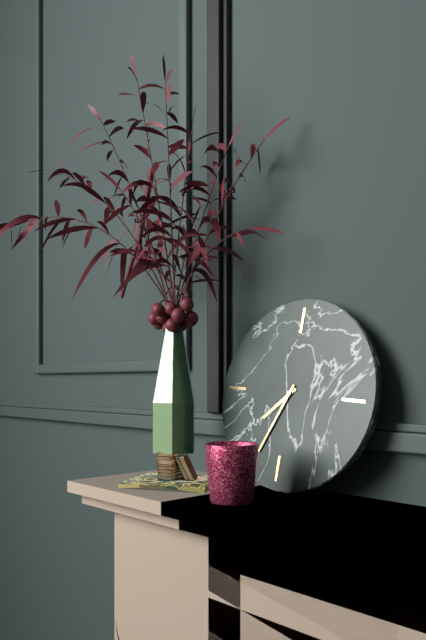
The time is 7,34
